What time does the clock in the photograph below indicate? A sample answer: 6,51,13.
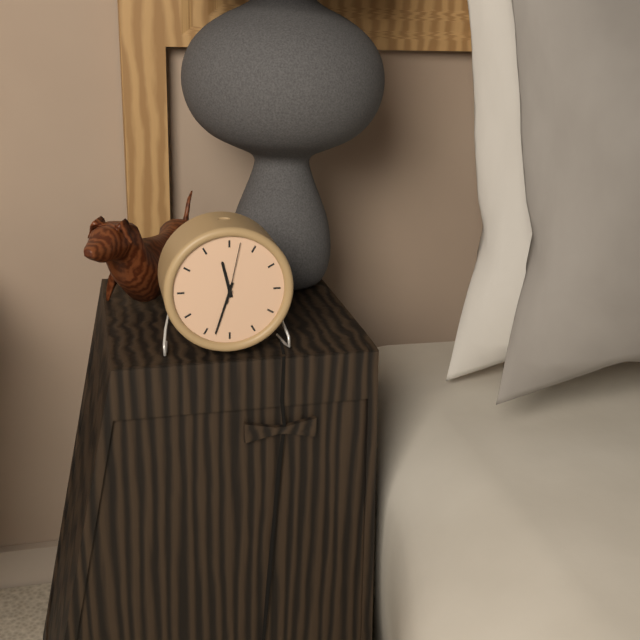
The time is 11,33,02
